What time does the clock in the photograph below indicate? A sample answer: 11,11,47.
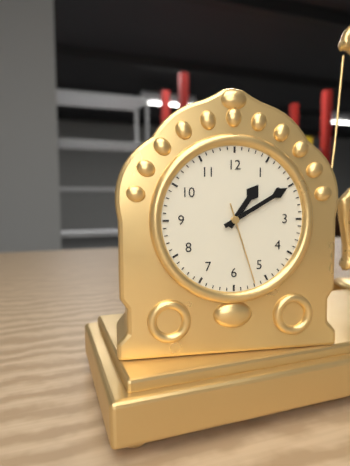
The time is 1,10,27
